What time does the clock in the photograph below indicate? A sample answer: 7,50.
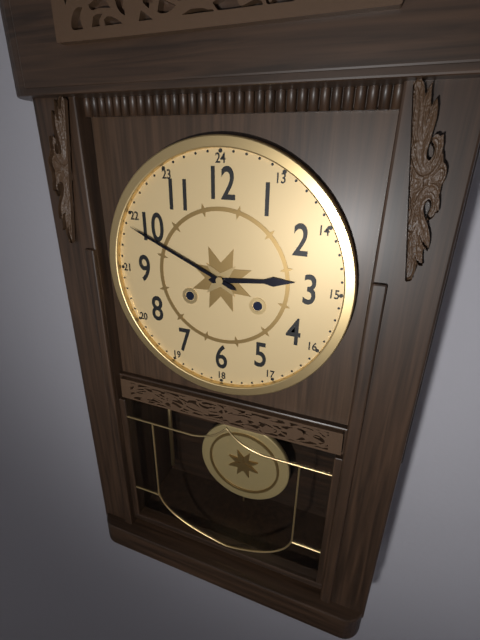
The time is 2,49
